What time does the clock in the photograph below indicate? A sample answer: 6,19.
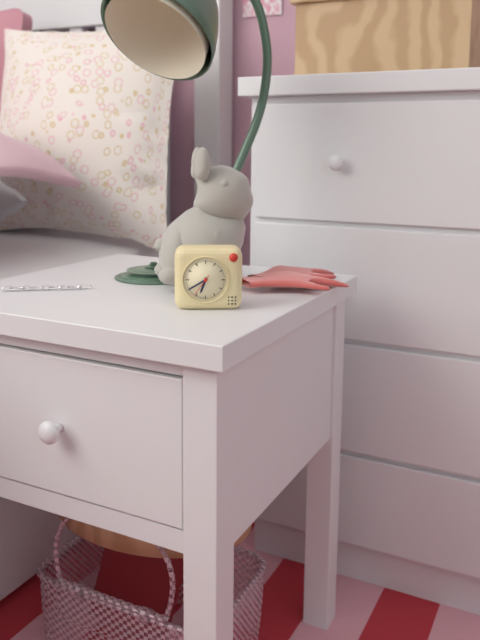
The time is 6,40
